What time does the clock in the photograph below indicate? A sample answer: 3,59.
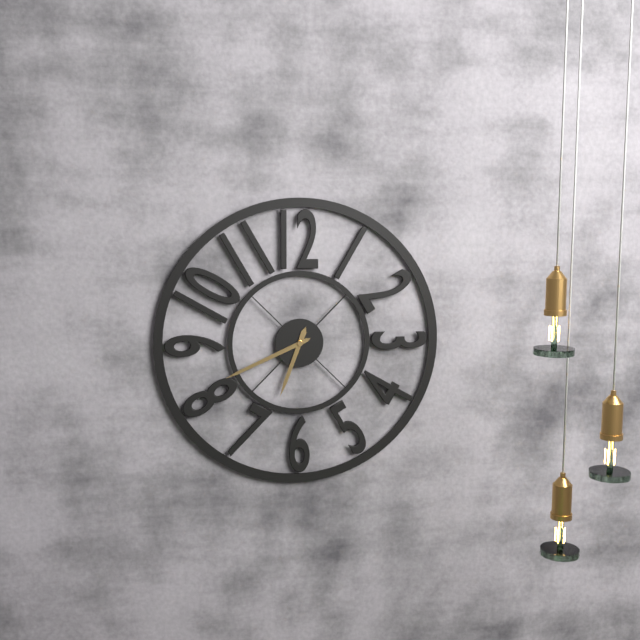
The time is 6,41
